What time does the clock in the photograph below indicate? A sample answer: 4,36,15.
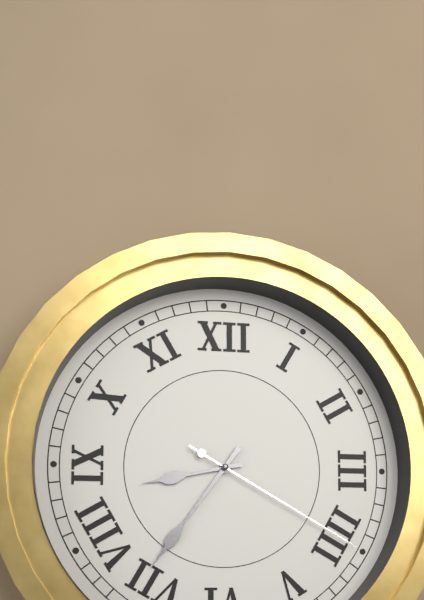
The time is 8,36,20
